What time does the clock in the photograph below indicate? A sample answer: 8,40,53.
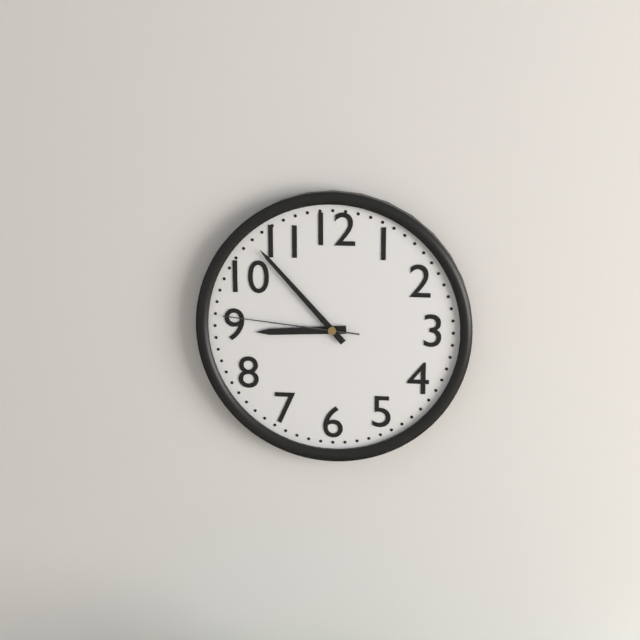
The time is 8,53,46
